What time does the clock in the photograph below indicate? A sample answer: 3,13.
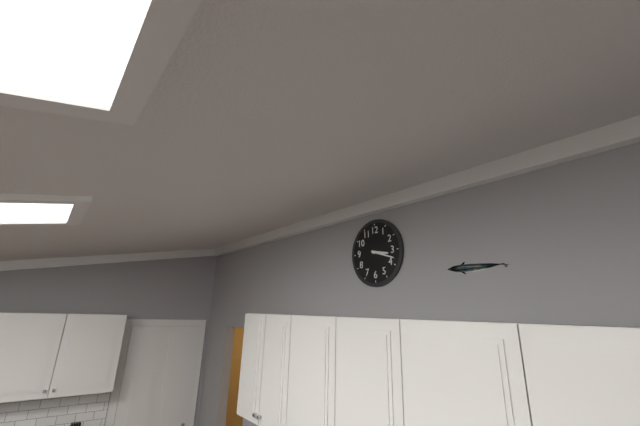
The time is 3,18
